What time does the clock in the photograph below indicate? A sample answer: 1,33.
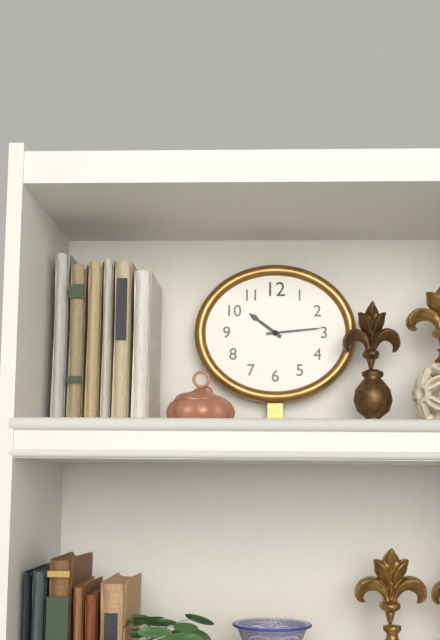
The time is 10,14
